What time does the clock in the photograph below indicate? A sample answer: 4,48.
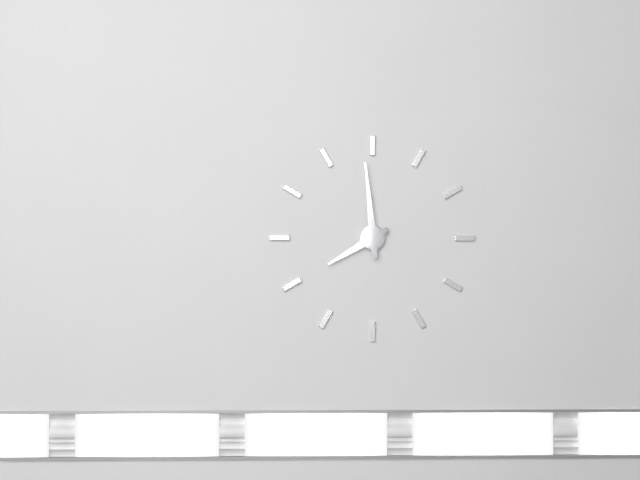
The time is 7,59
